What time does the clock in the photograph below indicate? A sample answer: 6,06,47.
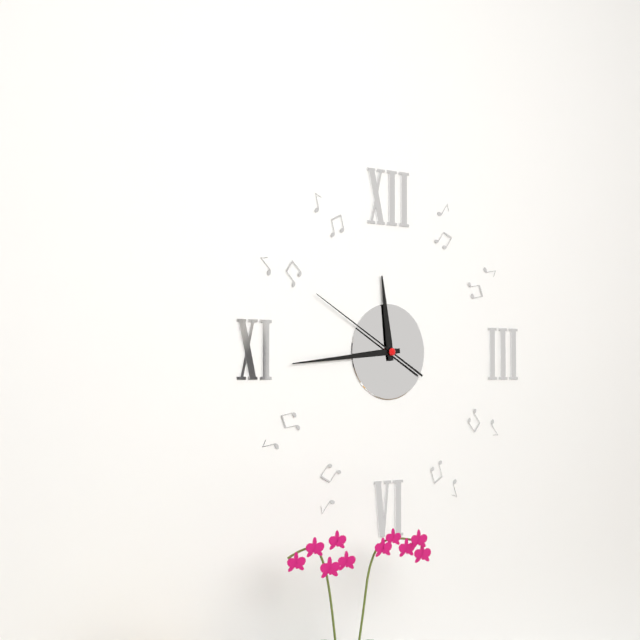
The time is 11,44,50
